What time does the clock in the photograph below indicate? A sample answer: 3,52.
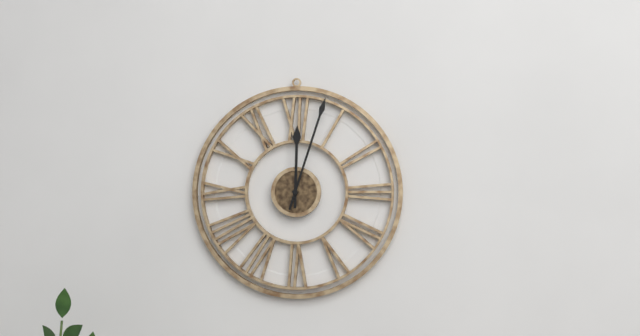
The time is 12,03
